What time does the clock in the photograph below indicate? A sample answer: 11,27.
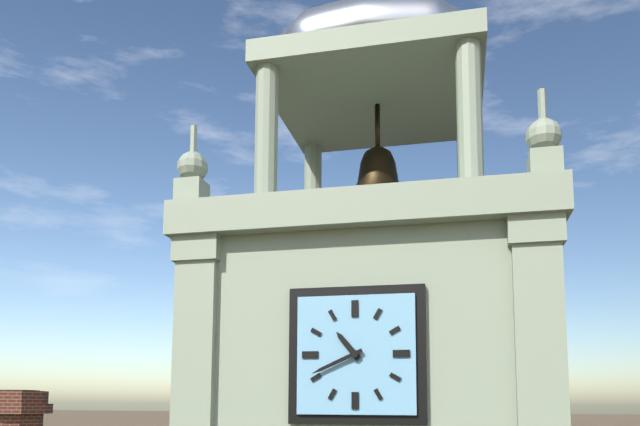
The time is 10,41
